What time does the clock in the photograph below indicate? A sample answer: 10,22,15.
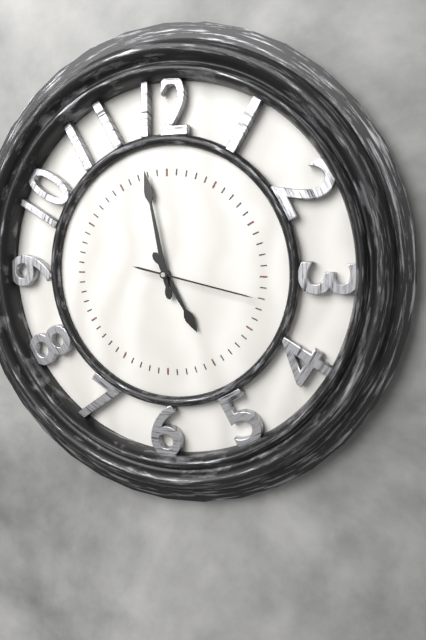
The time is 4,58,17
